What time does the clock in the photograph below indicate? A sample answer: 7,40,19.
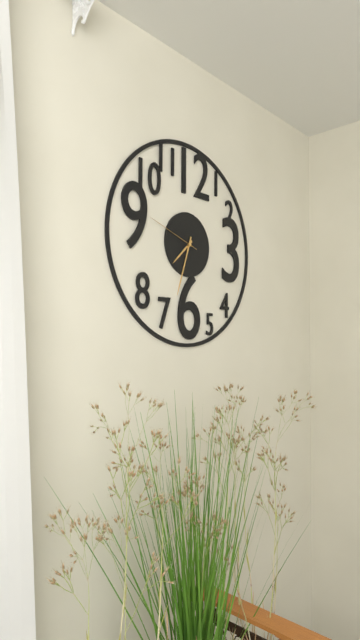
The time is 7,33,48
